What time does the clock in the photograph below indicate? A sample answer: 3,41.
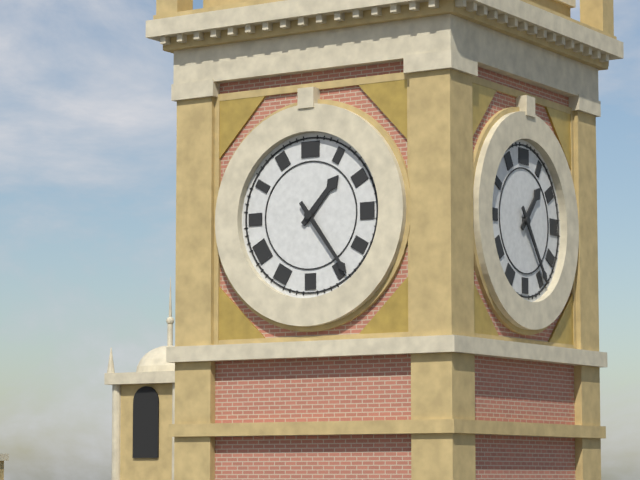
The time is 1,24
